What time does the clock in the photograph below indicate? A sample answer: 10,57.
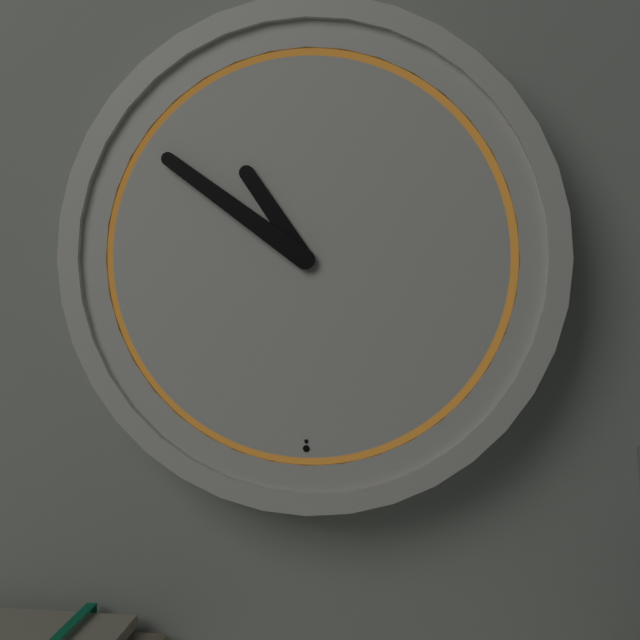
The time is 10,51
